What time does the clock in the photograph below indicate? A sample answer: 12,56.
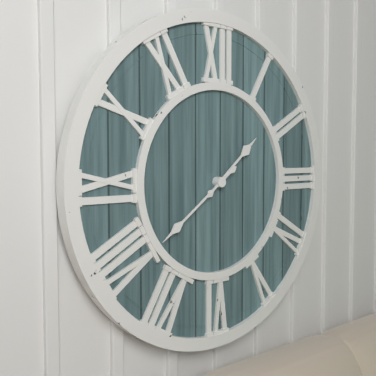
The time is 1,39
